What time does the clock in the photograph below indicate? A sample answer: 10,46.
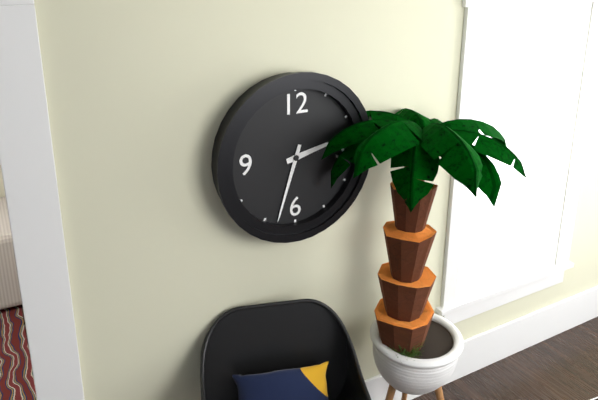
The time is 2,33
